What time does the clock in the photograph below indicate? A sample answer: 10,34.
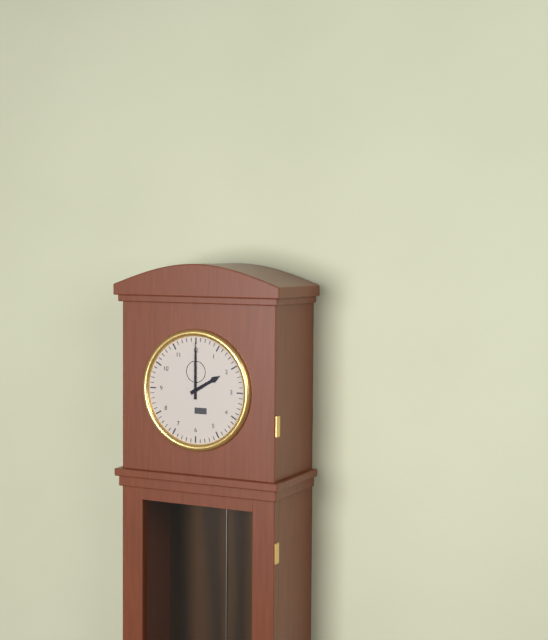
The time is 2,00
